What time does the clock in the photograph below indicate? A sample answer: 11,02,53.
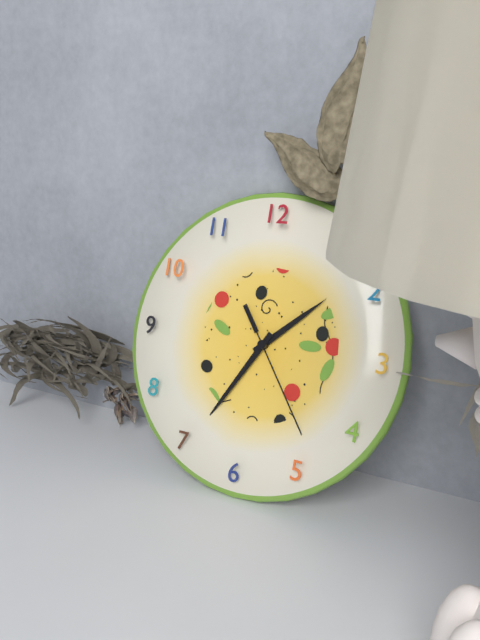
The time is 1,35,24
